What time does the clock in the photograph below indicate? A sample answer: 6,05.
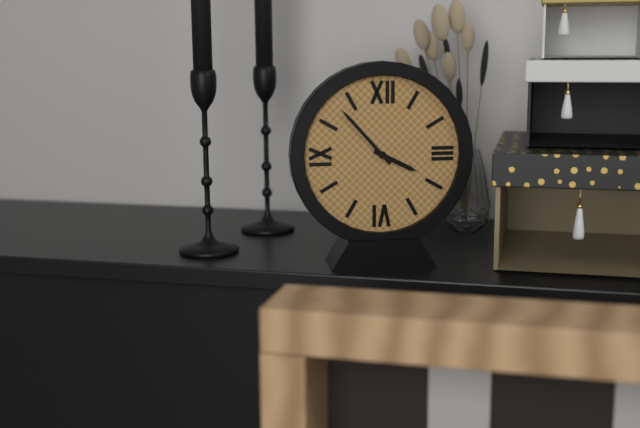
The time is 3,53
